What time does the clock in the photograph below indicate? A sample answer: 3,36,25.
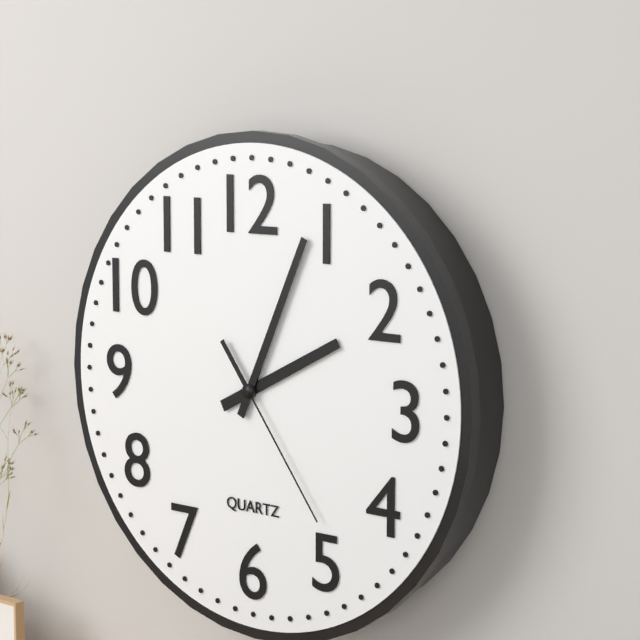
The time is 2,04,24
